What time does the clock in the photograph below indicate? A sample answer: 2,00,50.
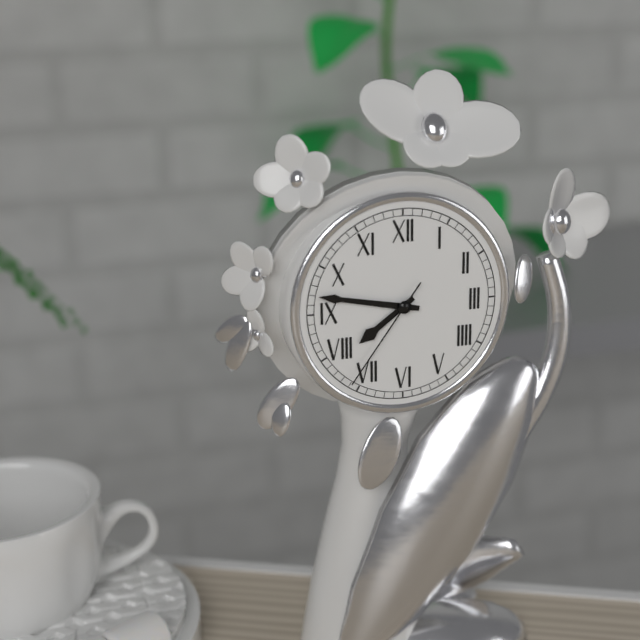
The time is 7,47,36
